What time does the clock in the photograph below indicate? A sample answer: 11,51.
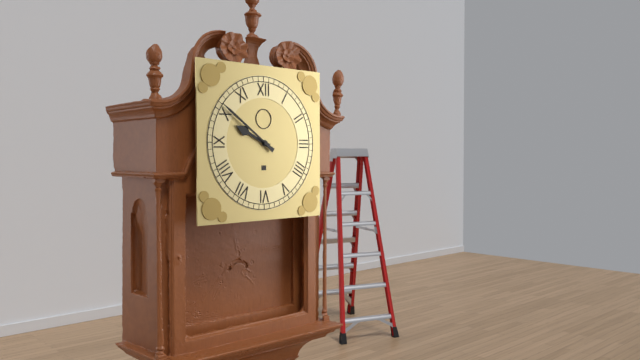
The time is 9,51
